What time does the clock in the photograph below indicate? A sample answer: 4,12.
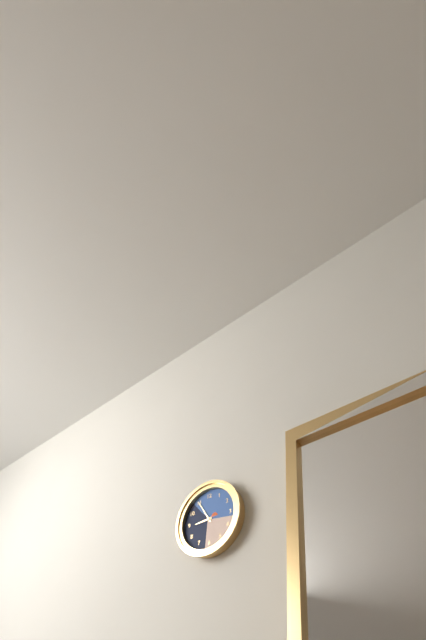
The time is 8,55
